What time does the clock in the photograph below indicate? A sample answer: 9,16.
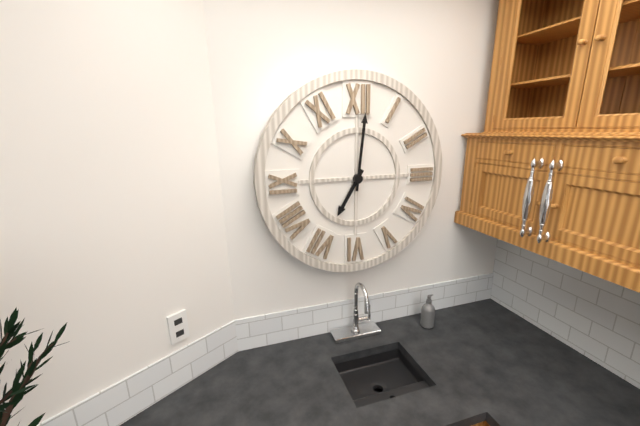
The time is 7,01
